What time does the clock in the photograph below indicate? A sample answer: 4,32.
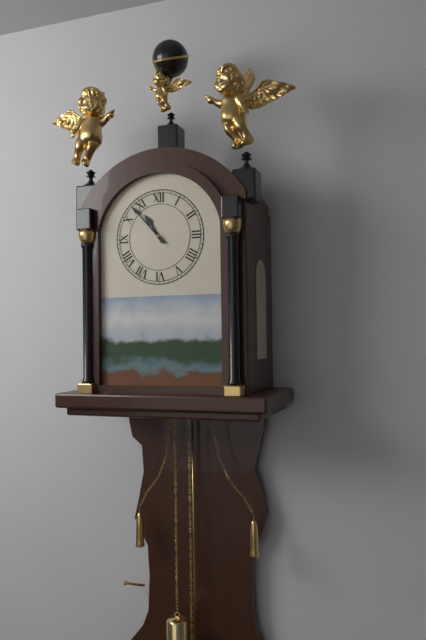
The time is 10,53
